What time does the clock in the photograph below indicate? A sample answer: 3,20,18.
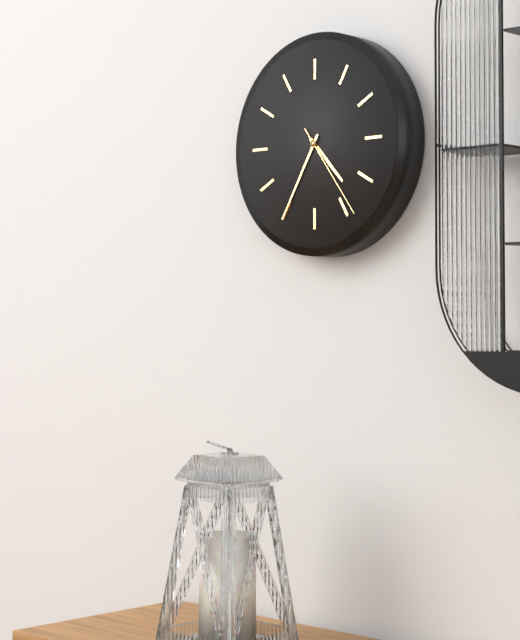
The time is 4,35,24
